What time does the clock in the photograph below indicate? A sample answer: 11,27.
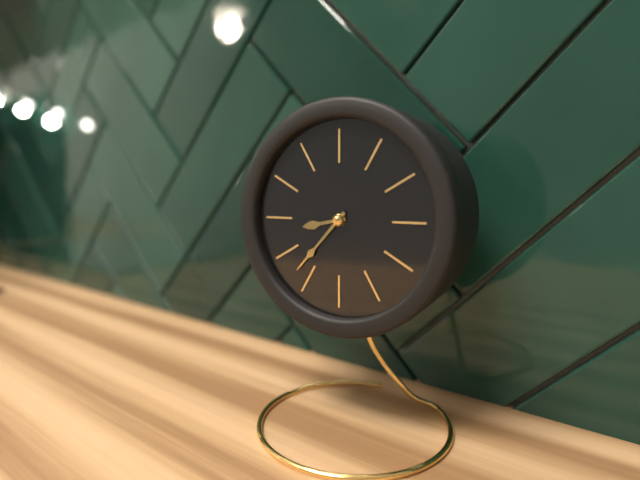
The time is 8,37
